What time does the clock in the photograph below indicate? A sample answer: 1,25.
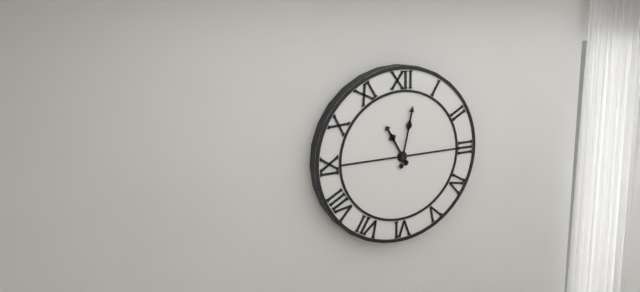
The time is 11,02
